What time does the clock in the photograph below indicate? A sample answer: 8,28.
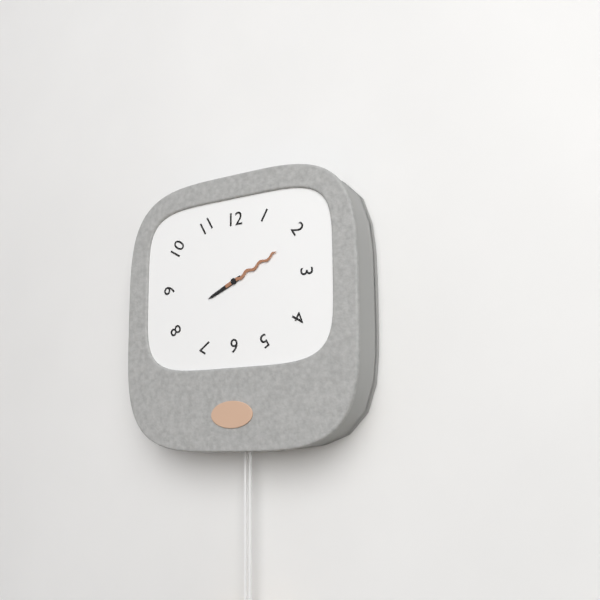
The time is 8,11
